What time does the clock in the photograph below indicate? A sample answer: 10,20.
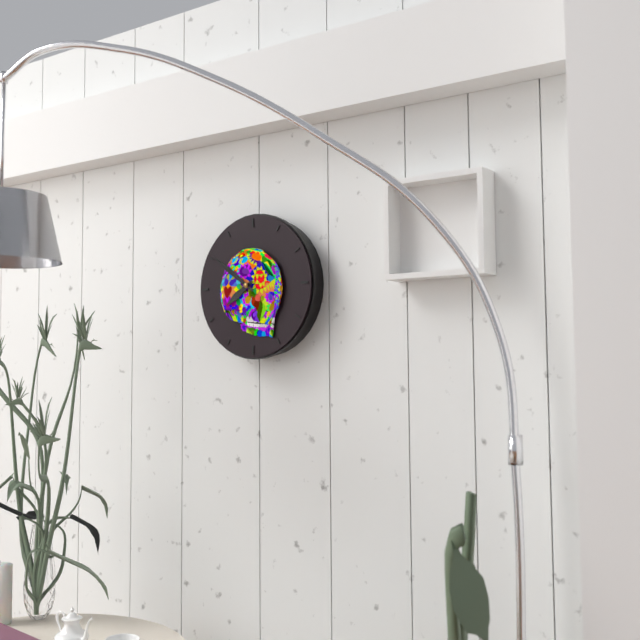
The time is 7,51
